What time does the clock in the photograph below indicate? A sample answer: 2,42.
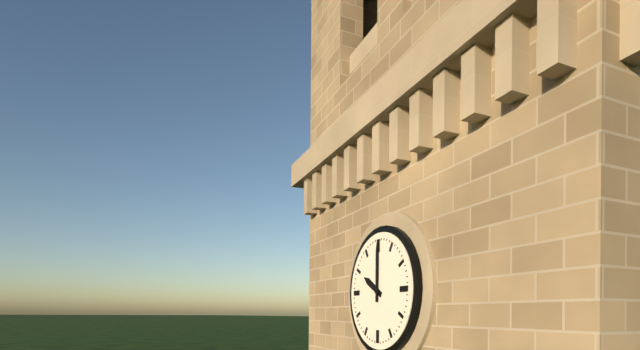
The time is 10,00
